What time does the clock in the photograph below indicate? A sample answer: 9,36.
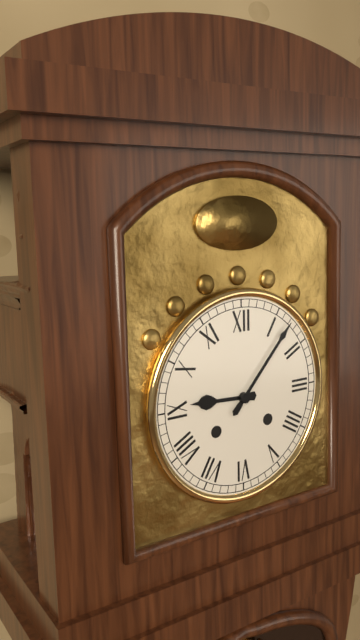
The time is 9,07
